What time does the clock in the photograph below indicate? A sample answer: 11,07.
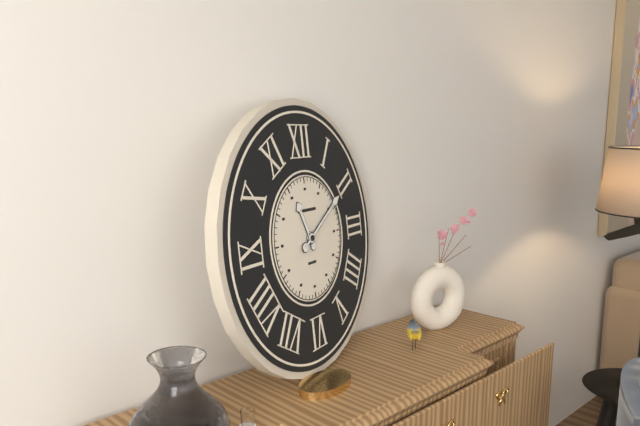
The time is 11,10
